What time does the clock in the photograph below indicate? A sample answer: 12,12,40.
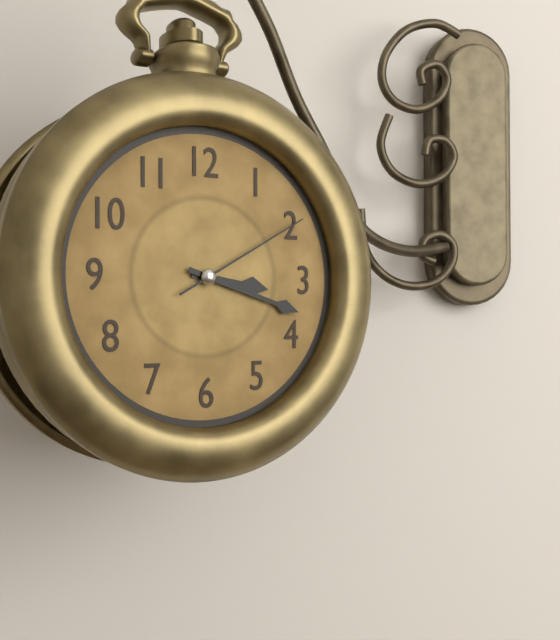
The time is 3,18,10
